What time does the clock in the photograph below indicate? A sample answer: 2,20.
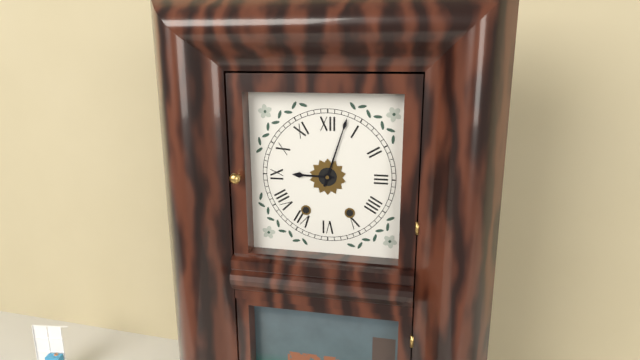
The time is 9,03
